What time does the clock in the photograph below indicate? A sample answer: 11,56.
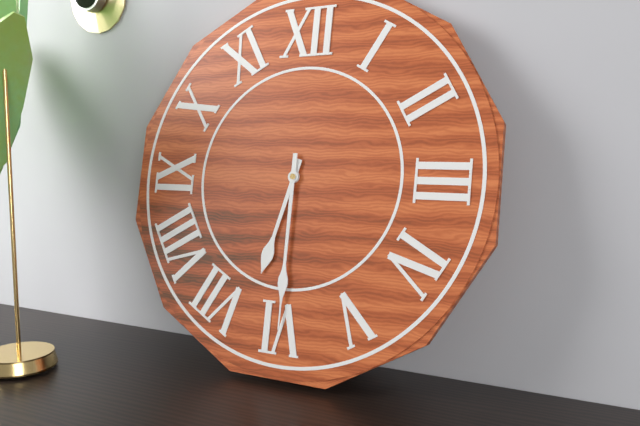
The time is 6,30
